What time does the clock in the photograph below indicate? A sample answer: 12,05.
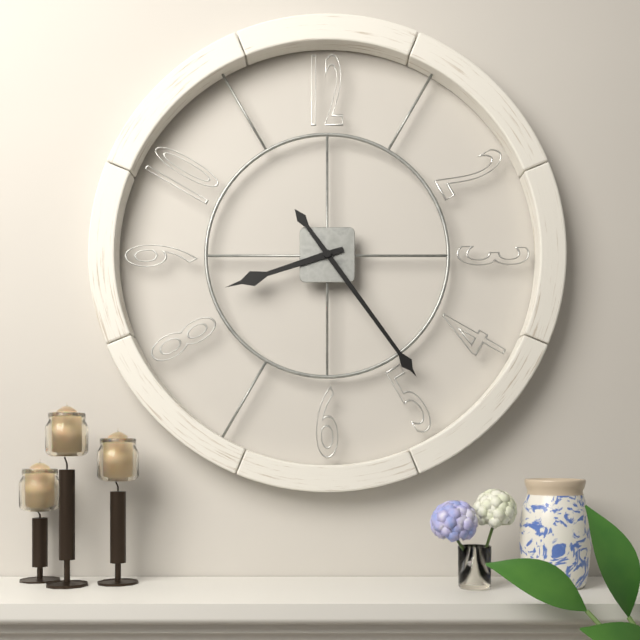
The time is 8,24
